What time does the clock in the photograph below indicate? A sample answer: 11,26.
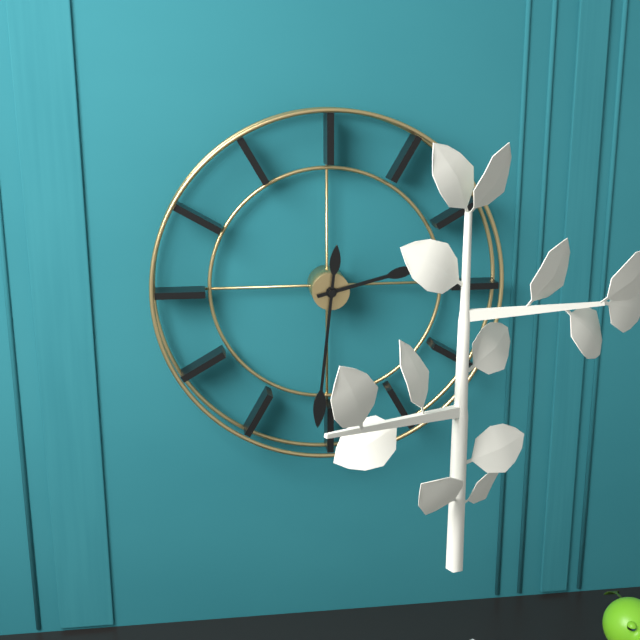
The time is 2,31
